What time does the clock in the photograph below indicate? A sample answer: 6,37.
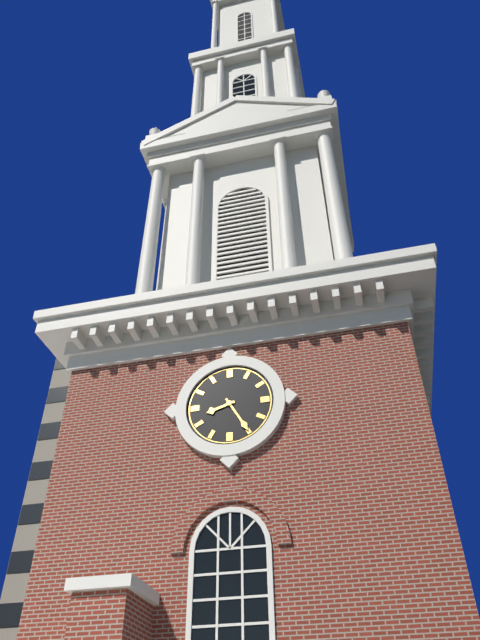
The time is 8,25
